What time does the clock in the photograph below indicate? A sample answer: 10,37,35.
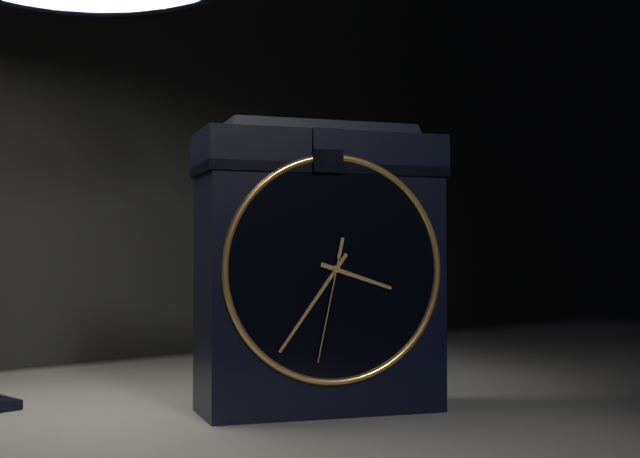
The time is 3,36,32
